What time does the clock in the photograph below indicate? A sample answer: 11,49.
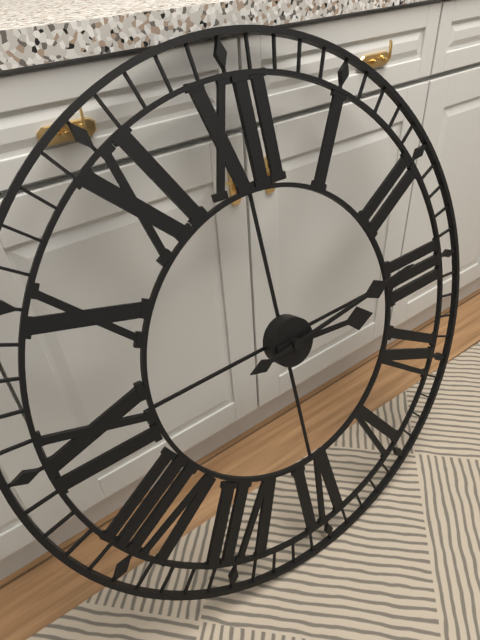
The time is 3,14
